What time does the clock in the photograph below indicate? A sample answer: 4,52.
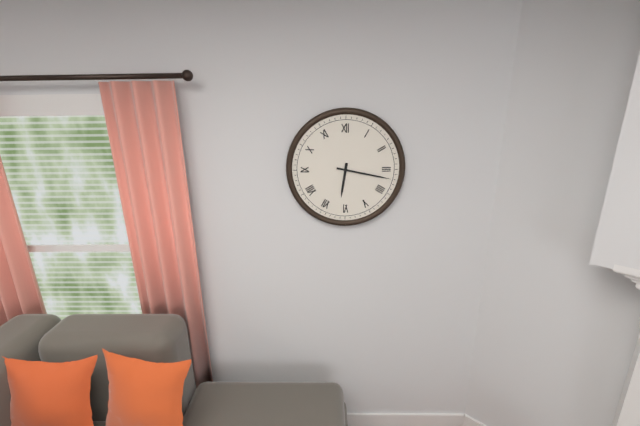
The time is 6,17
